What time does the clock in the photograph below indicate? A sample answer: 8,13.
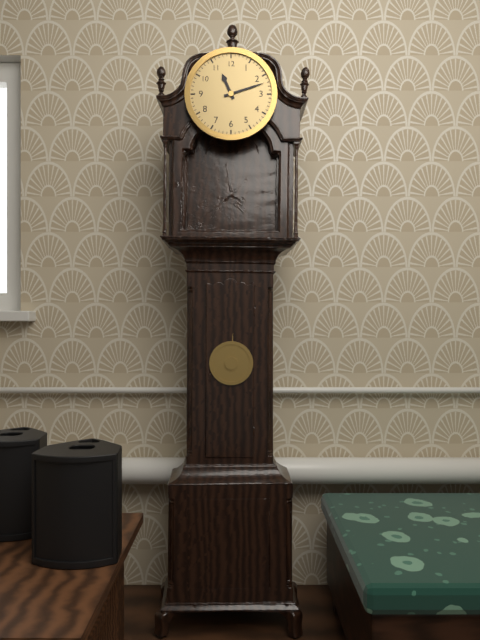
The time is 11,12
